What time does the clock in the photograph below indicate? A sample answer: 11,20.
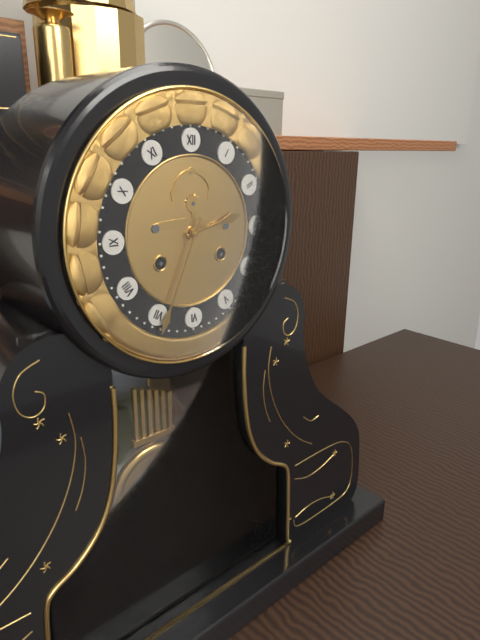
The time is 2,34
